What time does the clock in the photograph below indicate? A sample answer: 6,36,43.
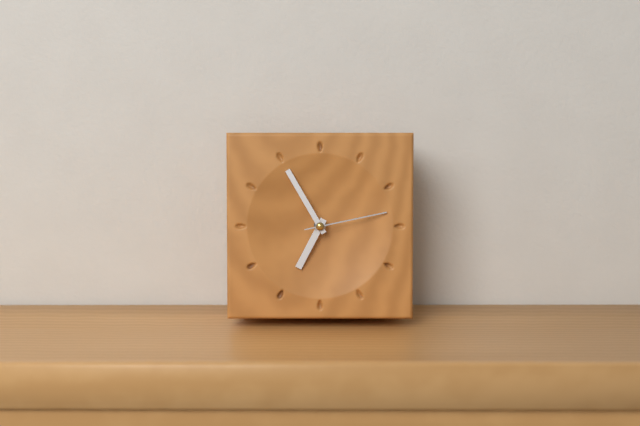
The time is 6,55,13
